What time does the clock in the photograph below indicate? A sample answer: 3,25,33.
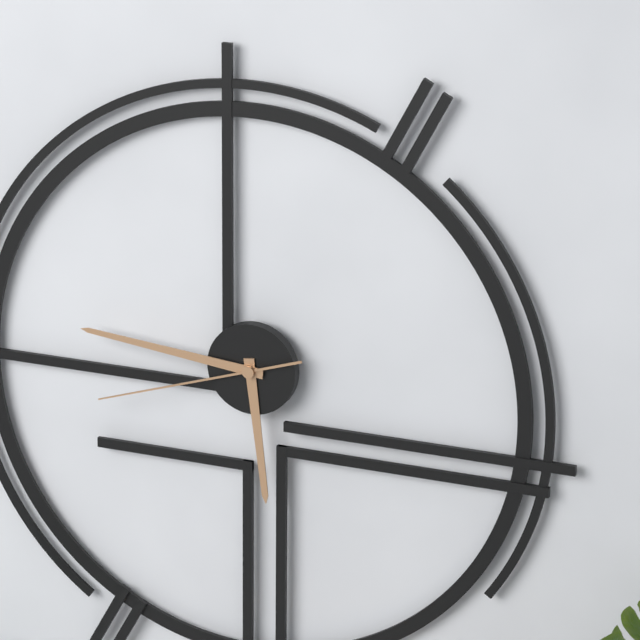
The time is 5,46,42
